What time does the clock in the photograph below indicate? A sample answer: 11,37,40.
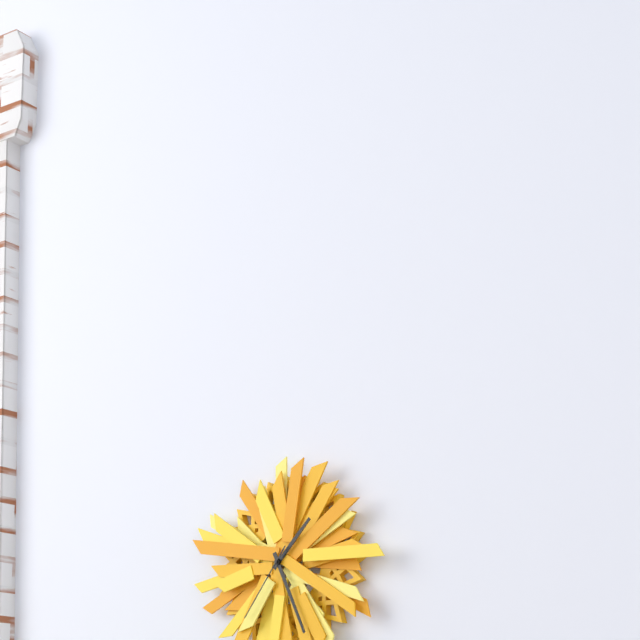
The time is 1,26,36
